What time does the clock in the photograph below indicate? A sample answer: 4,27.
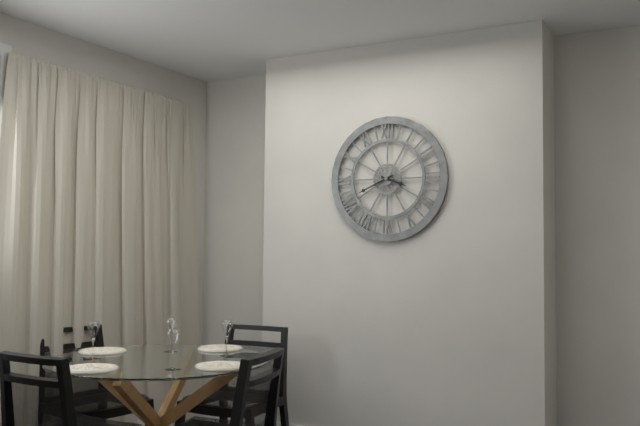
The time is 3,41
